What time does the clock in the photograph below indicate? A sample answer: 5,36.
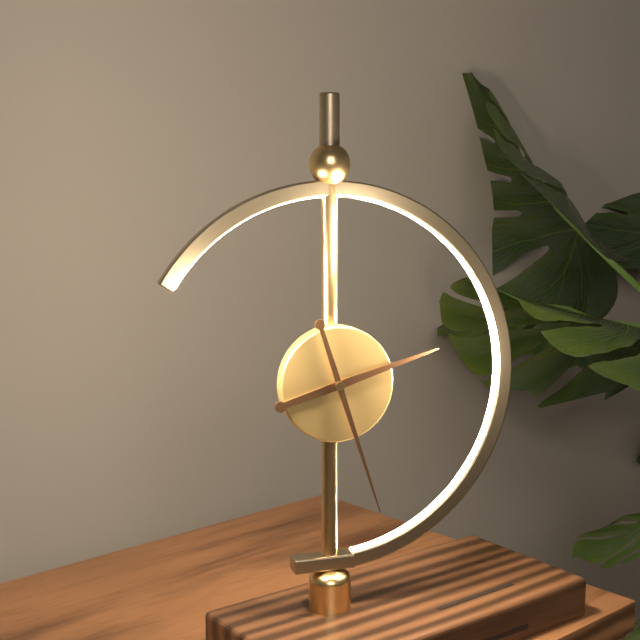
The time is 2,27
